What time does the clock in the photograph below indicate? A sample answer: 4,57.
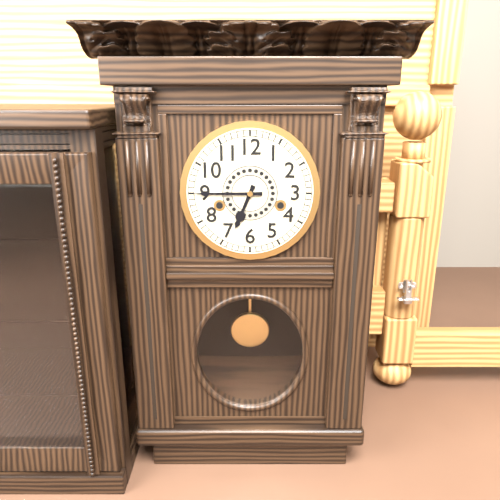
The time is 6,45
